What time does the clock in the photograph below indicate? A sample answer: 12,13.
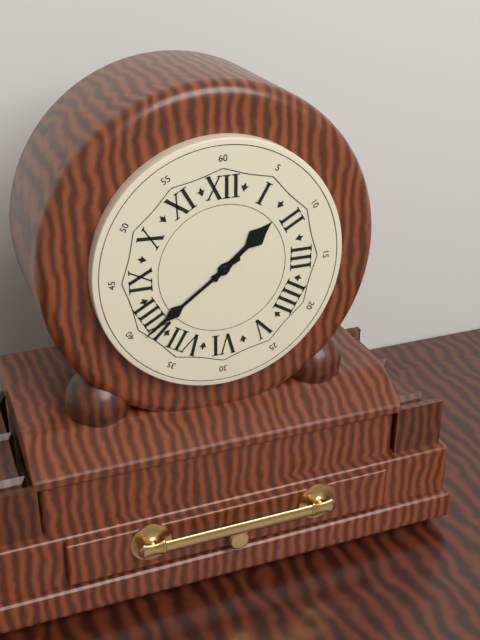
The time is 1,39
